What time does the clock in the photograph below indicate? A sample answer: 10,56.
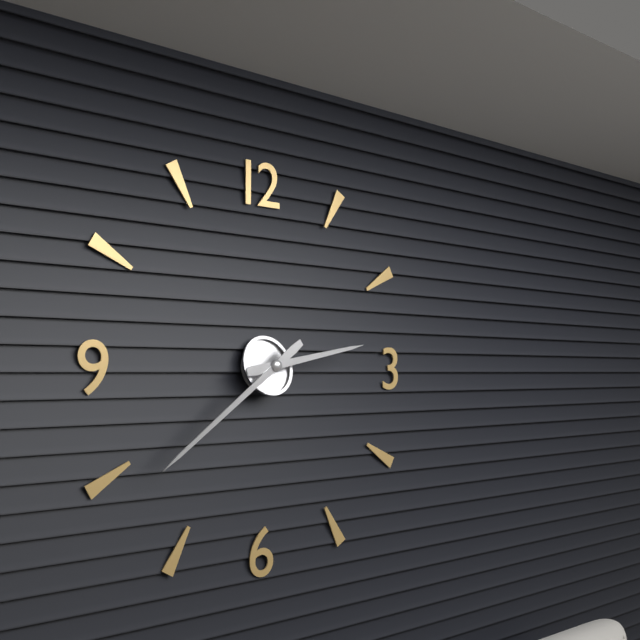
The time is 2,39
